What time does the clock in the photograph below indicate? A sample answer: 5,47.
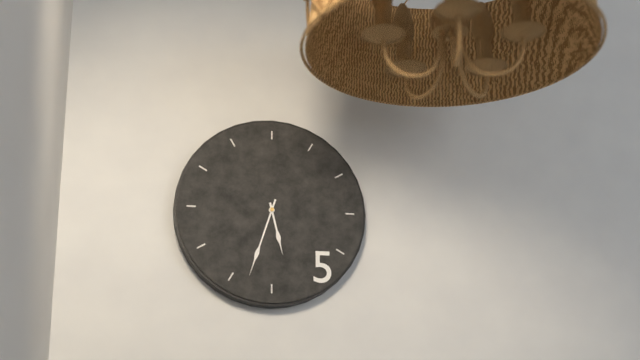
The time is 5,33
